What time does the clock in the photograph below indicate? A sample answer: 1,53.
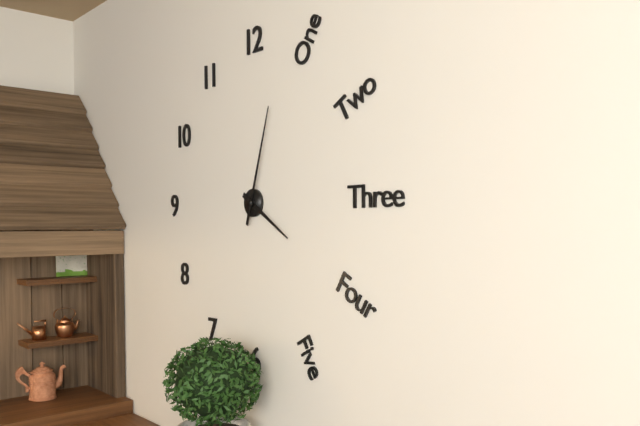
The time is 4,03
